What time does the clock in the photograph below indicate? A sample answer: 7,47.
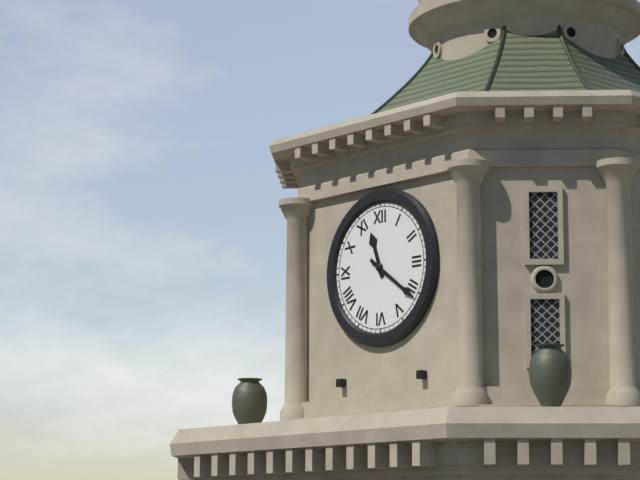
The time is 11,21
